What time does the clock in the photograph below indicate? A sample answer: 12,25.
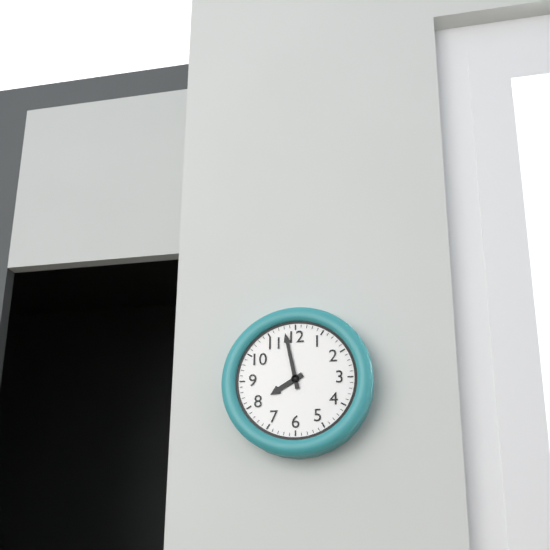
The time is 7,58
